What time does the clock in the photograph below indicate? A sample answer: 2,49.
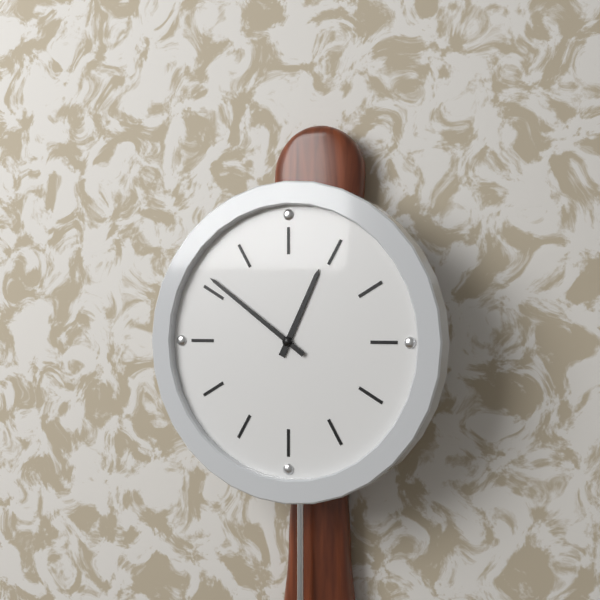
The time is 12,51
